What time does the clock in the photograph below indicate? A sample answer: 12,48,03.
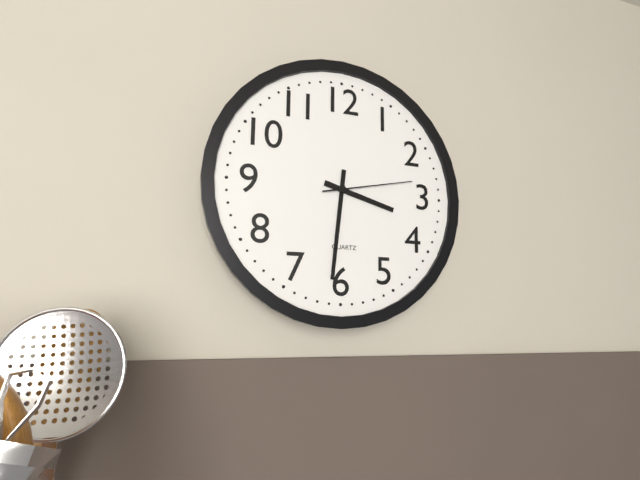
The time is 3,31,13
